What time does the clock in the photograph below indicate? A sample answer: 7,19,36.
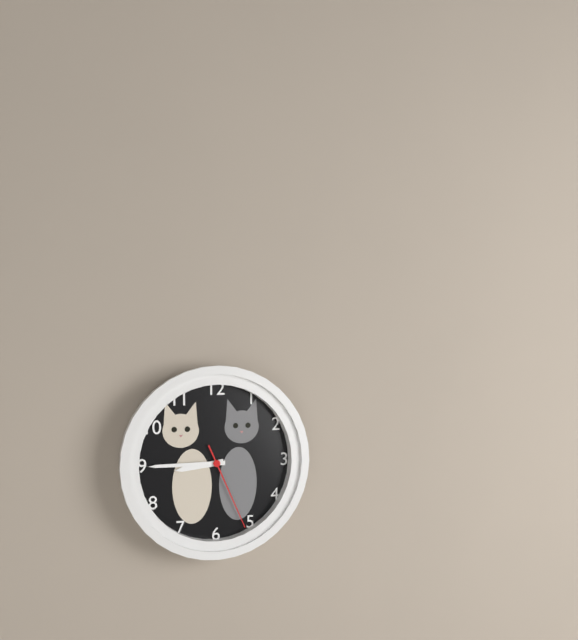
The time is 8,45,26
